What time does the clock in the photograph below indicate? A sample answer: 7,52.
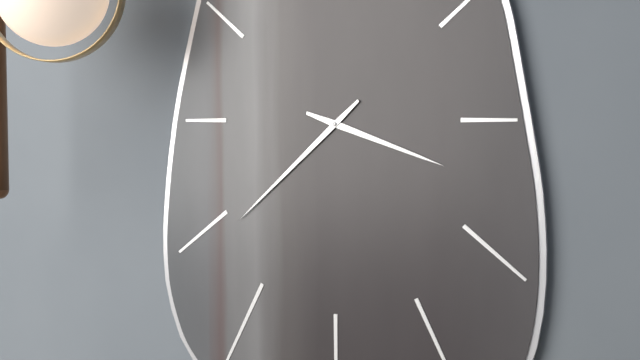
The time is 3,38
